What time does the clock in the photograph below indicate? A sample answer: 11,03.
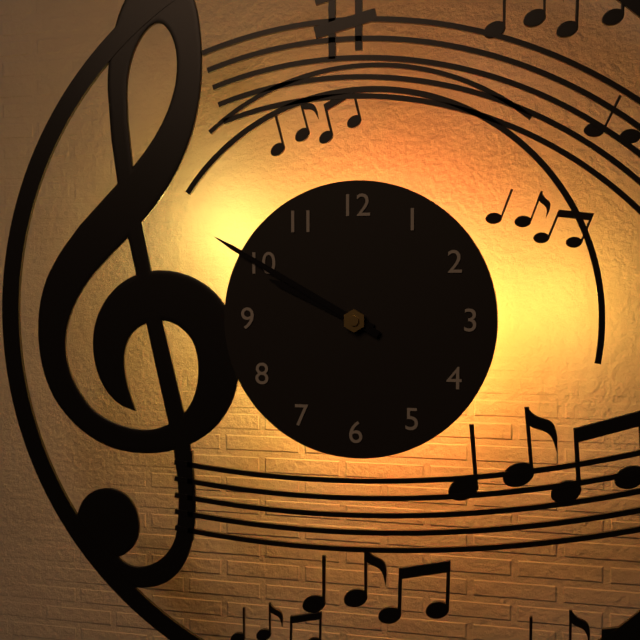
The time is 9,50
